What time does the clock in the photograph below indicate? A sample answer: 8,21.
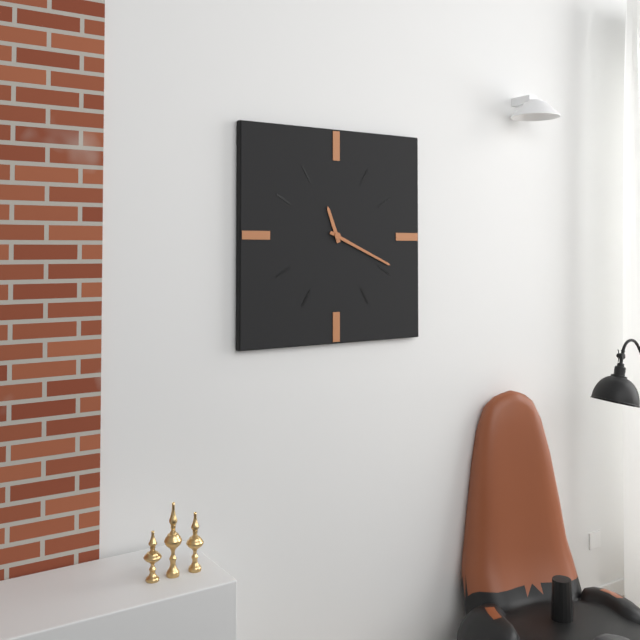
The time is 11,19
